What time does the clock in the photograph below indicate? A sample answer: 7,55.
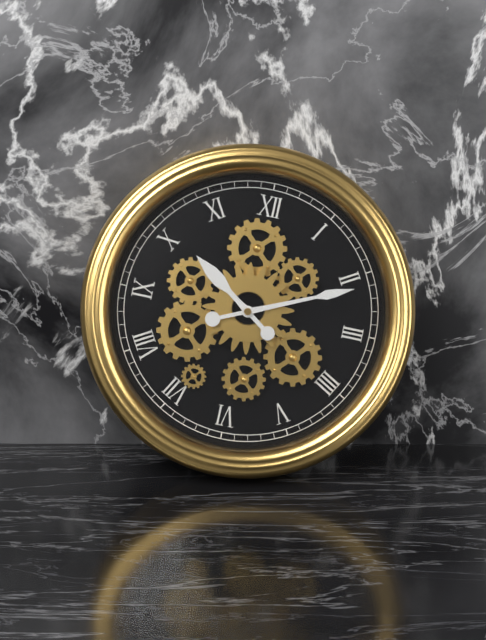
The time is 10,11
